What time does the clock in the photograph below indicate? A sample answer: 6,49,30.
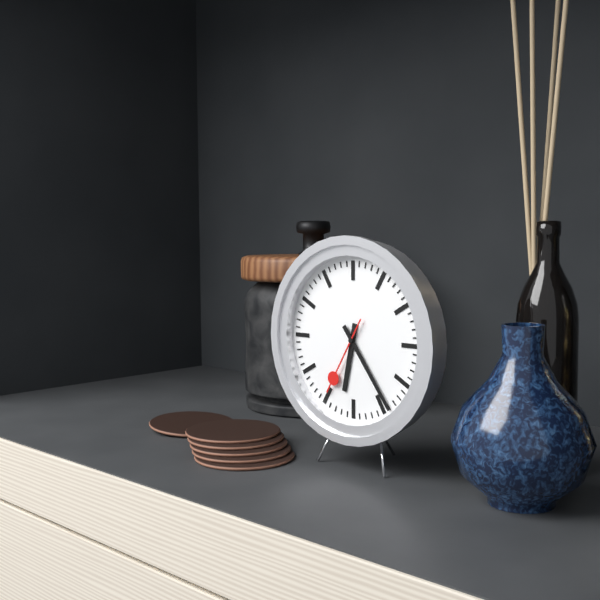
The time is 6,24,35
